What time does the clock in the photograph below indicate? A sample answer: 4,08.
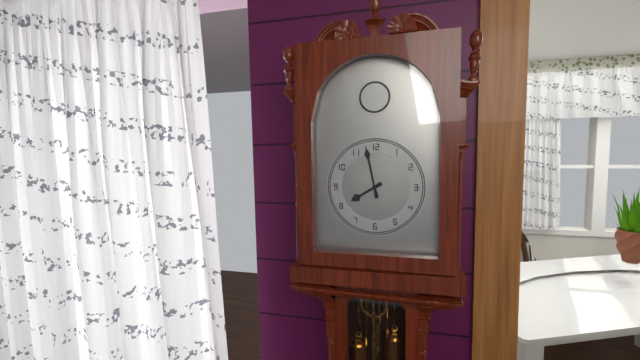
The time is 7,58
